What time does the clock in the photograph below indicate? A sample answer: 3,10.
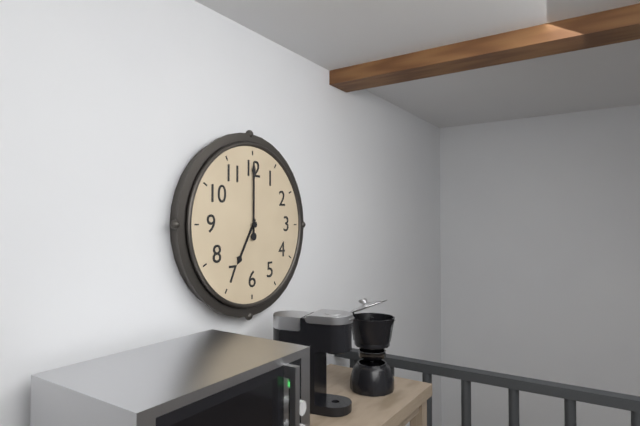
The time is 7,00
